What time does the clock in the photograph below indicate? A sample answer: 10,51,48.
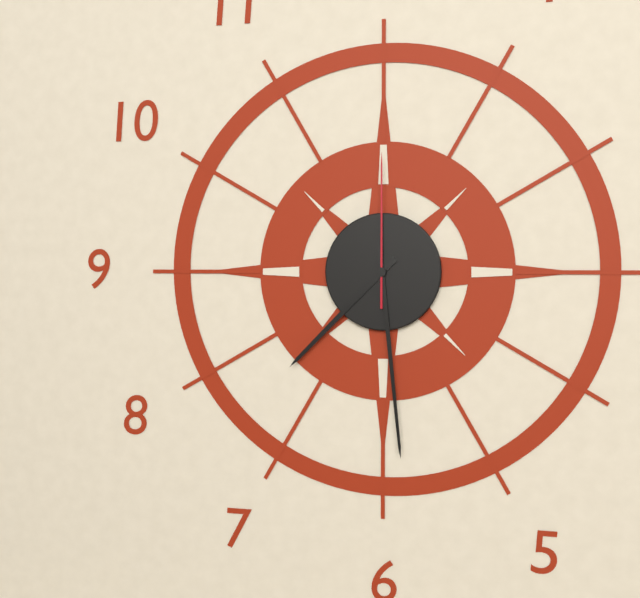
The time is 7,29,00
